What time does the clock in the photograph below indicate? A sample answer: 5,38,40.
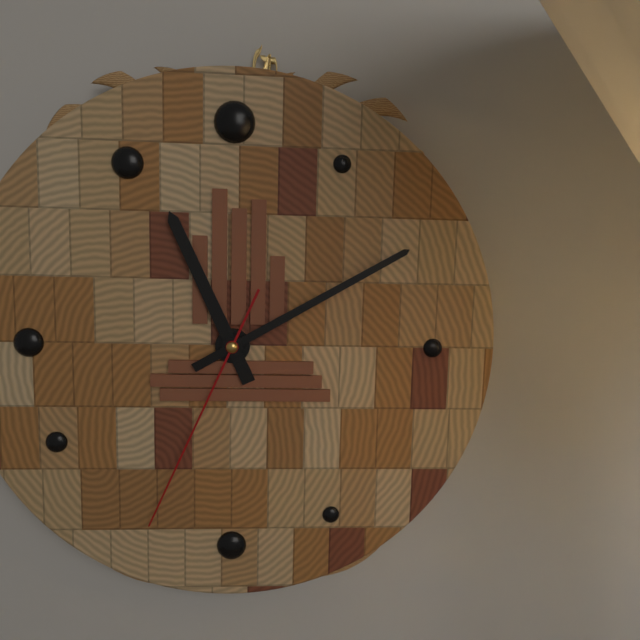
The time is 11,10,34
